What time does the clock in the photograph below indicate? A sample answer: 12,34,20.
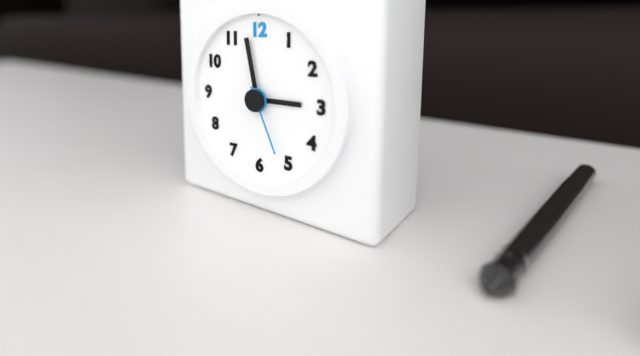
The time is 2,58,26
